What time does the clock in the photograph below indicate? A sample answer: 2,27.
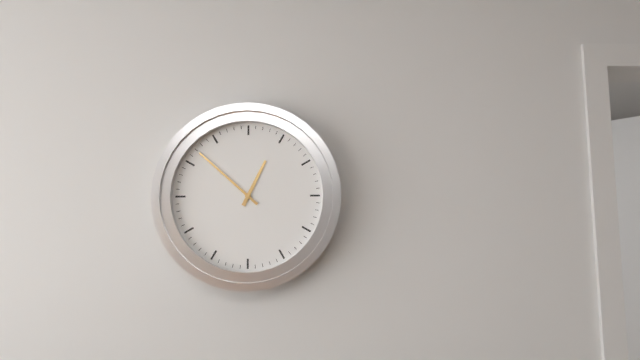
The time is 12,52
